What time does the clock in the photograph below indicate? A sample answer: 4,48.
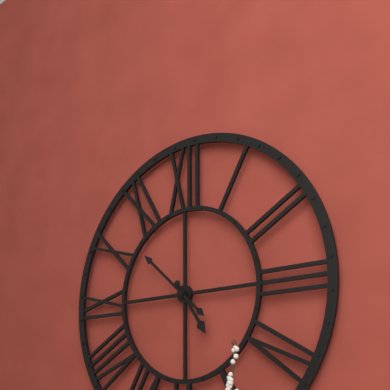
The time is 4,52
